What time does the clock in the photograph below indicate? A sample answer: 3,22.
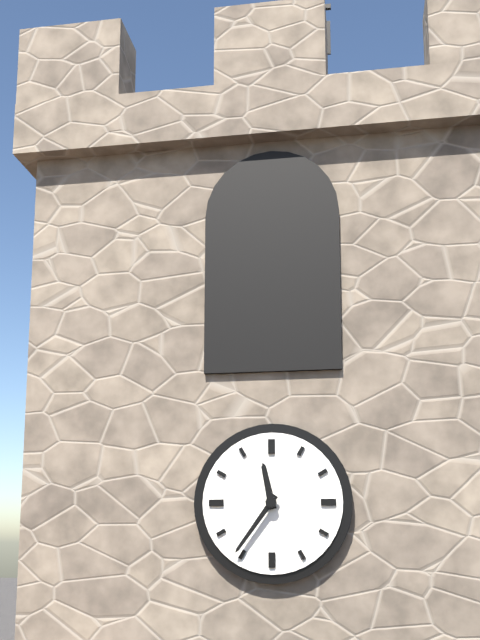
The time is 11,36
